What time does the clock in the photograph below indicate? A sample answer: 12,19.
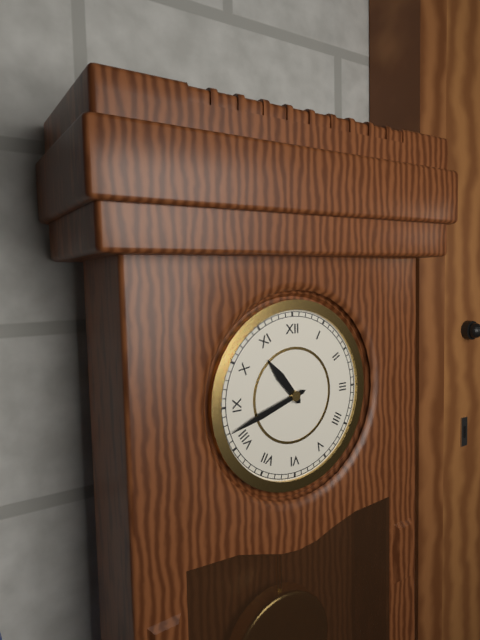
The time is 10,42
